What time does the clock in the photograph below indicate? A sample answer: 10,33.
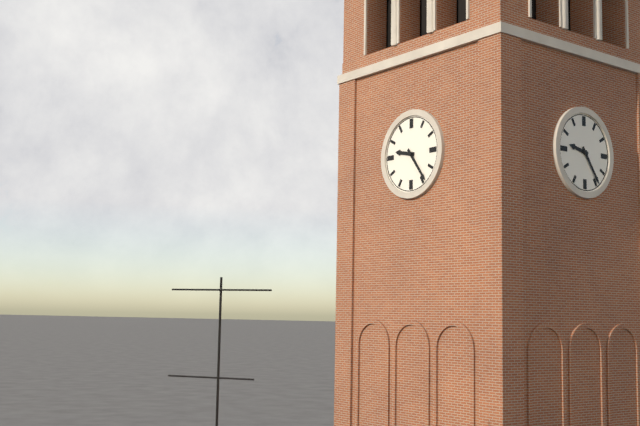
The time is 9,24
